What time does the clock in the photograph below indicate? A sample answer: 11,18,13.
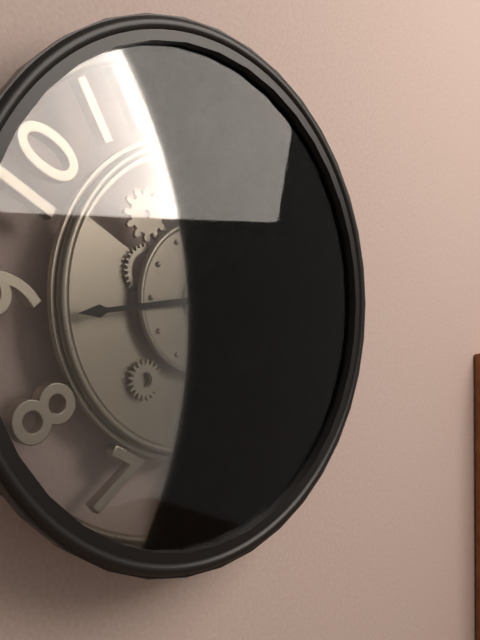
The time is 1,44,01
